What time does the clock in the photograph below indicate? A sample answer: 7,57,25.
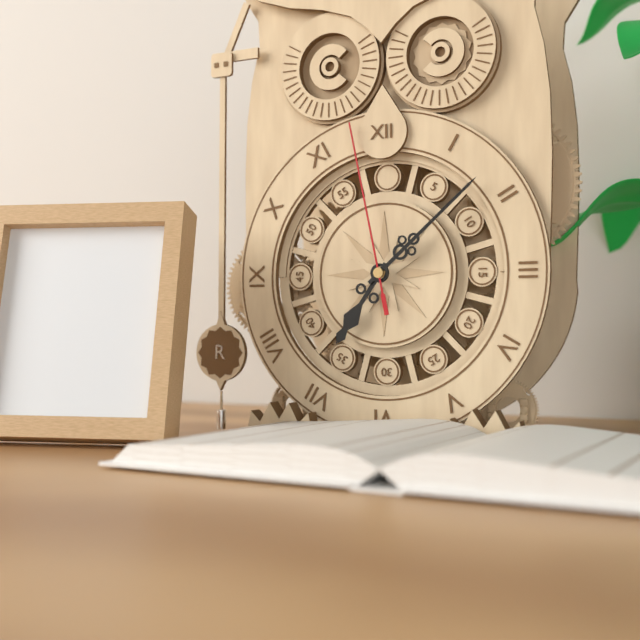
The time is 7,08,58
